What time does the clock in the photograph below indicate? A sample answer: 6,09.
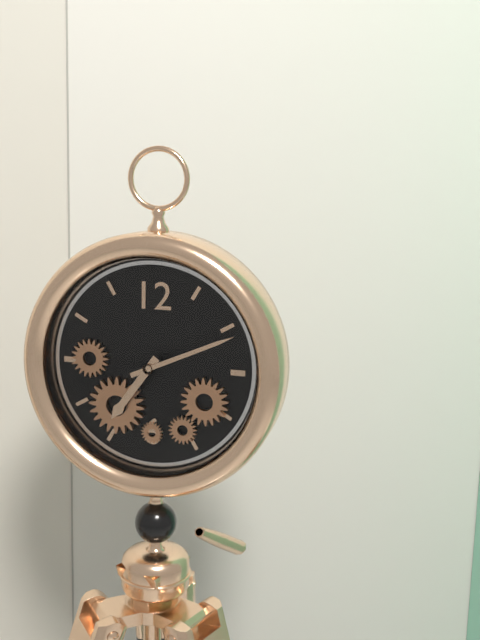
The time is 7,11
